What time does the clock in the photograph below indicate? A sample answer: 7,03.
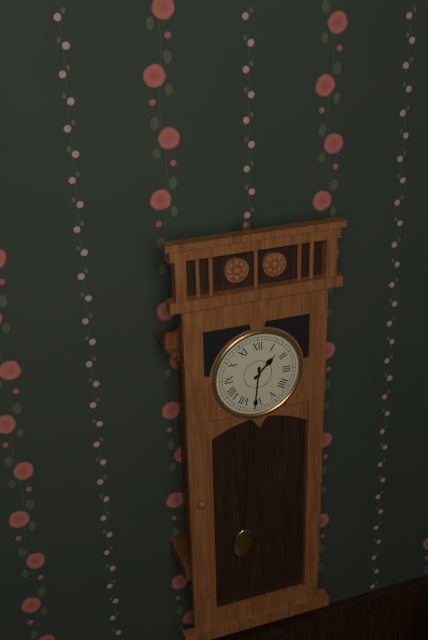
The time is 1,31
